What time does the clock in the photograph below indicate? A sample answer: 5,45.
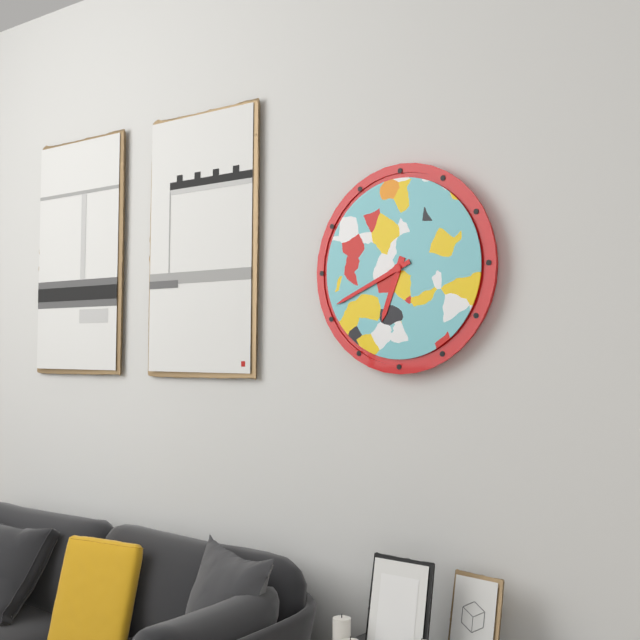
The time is 6,41
